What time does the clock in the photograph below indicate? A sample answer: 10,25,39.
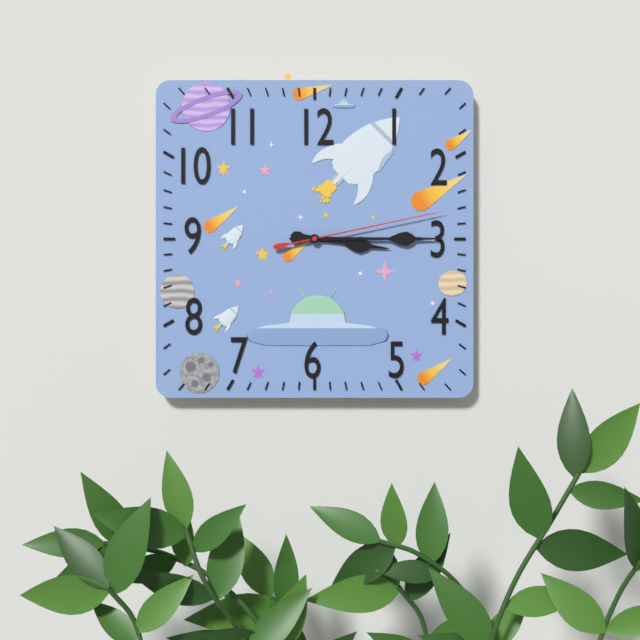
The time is 3,15,13
